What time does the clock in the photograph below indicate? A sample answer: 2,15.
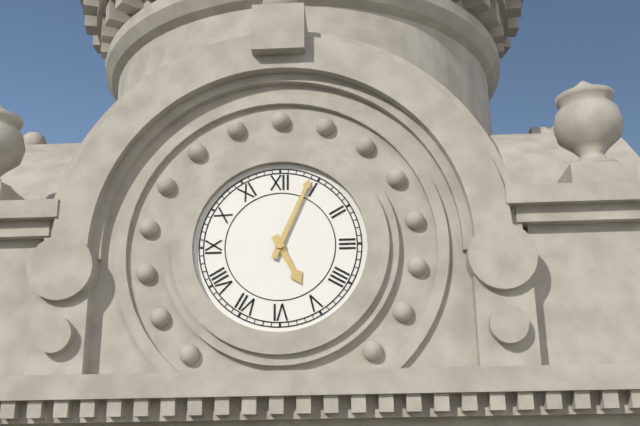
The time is 5,04
